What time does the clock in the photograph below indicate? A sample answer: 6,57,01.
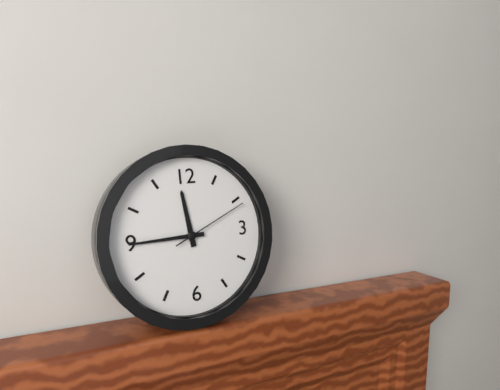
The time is 11,45,11
